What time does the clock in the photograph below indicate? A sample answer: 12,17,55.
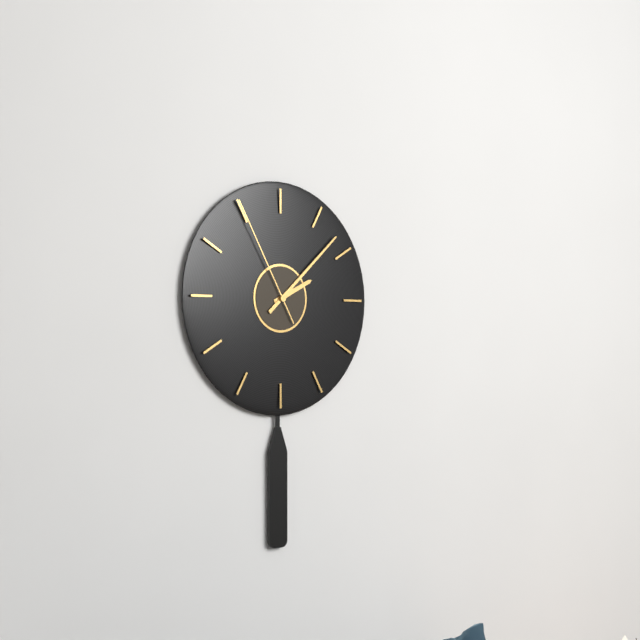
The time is 2,08,55
